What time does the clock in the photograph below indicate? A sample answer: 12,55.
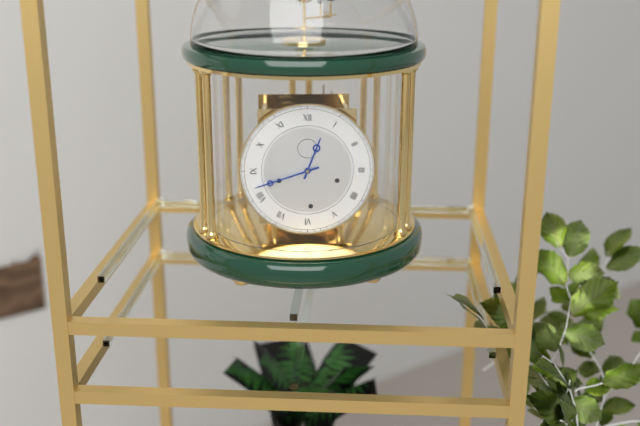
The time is 12,42
